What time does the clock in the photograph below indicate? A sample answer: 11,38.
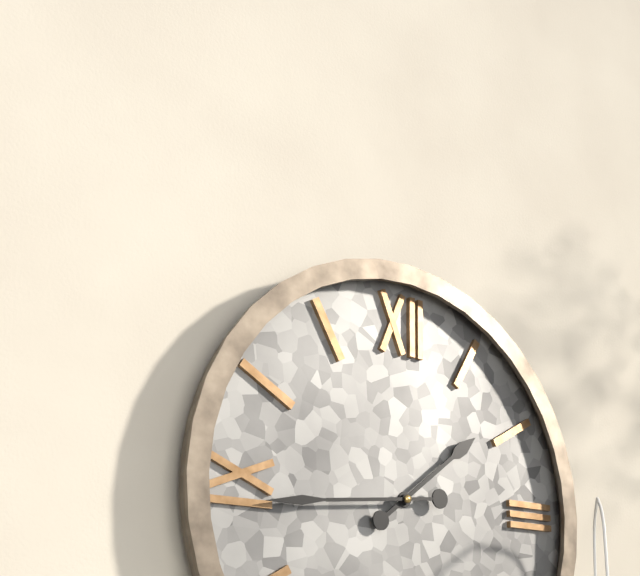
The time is 1,44
